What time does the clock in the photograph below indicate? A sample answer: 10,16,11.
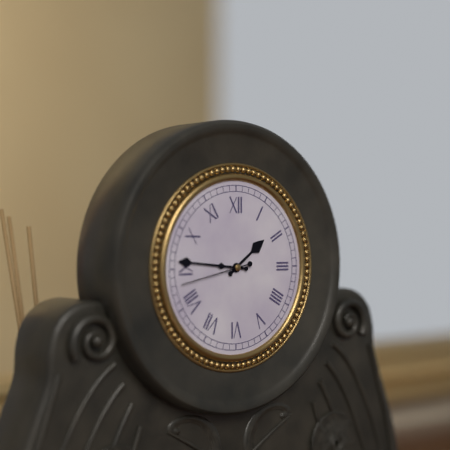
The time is 1,46,43
